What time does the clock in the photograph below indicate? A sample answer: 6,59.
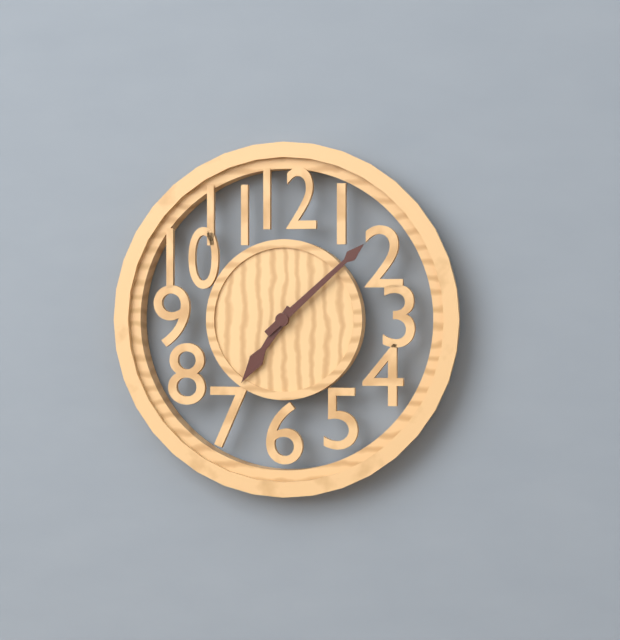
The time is 7,08
